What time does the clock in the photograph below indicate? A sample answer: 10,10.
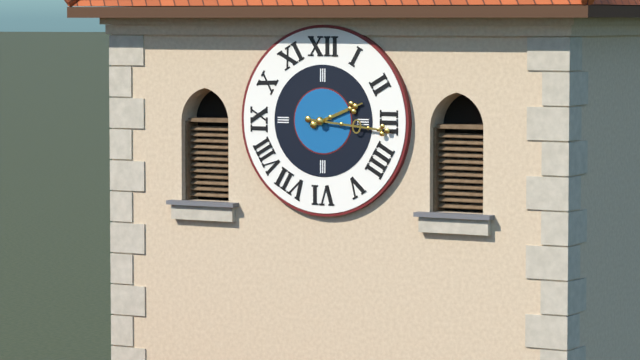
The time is 2,16
